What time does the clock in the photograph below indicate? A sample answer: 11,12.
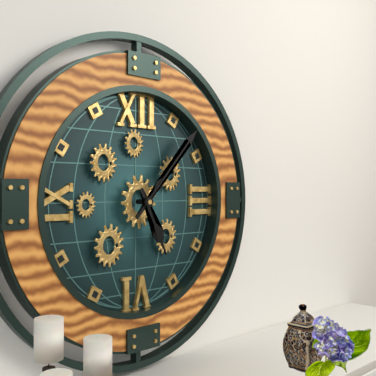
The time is 5,07
